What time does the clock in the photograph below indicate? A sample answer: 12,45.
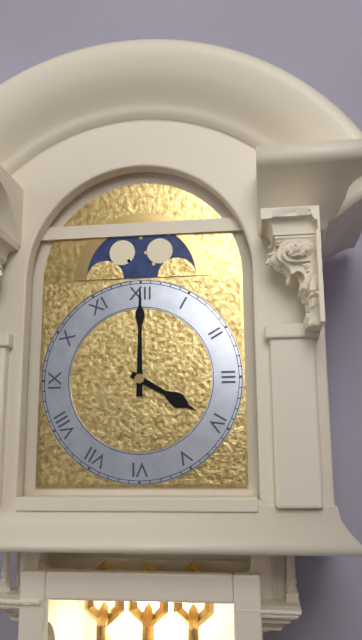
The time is 4,00
